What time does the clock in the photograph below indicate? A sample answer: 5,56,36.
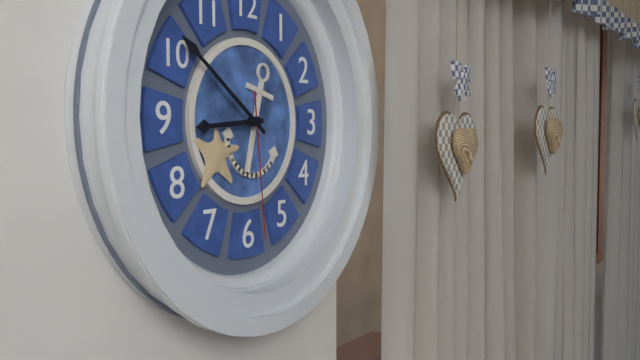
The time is 8,51,29
